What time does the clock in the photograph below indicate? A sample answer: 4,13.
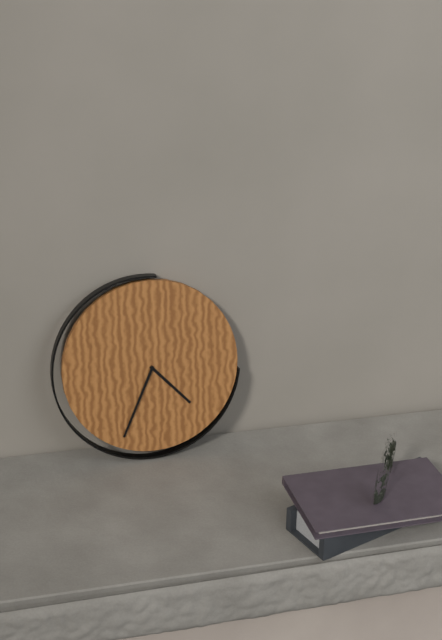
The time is 4,34
